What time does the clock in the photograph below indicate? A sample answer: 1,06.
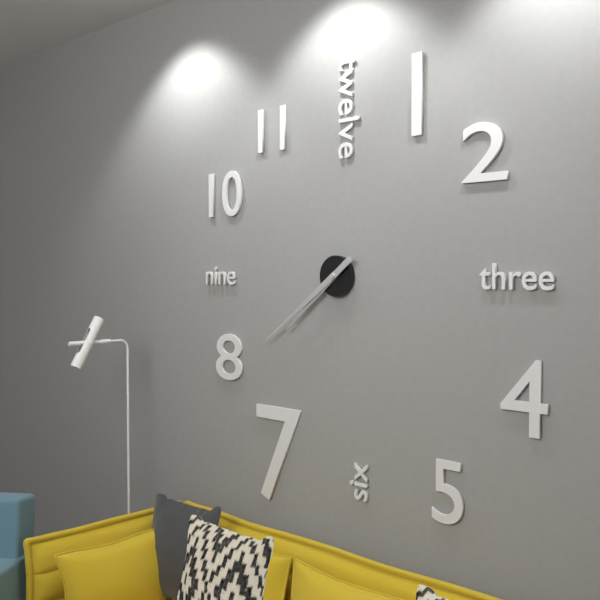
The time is 7,39
